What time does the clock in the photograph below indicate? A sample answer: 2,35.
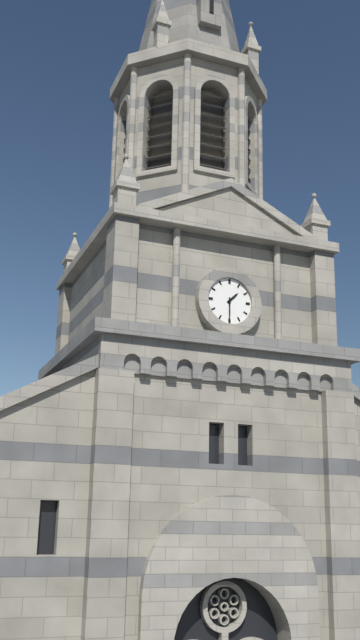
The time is 1,30
